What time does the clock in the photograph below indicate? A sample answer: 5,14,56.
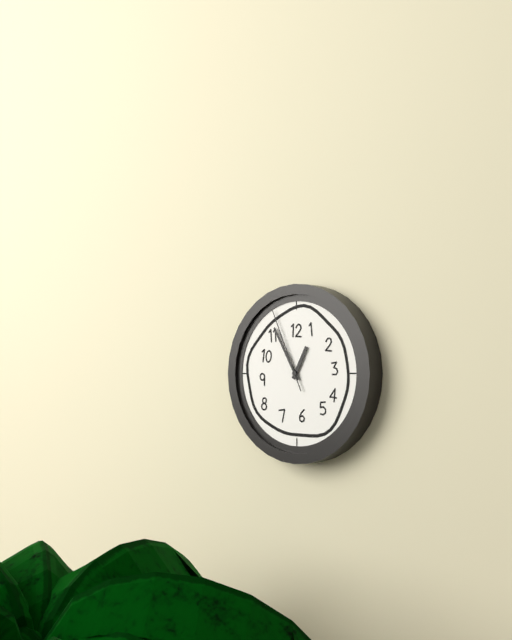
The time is 12,55,56
